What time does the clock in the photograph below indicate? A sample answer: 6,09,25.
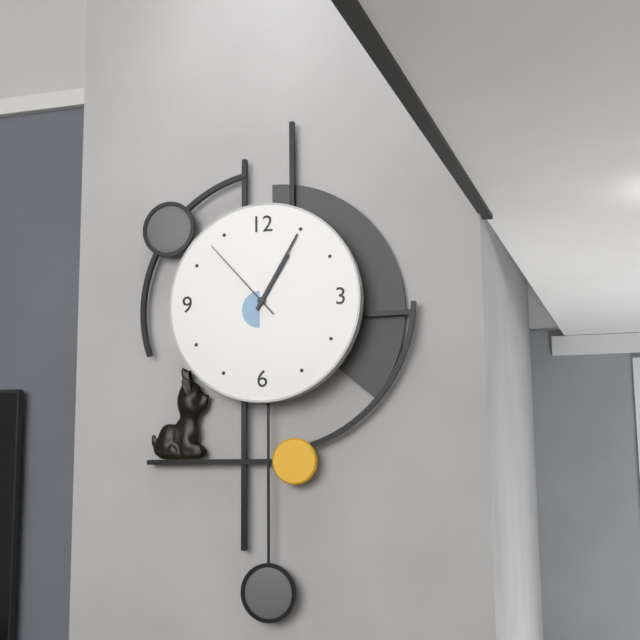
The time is 1,05,53
